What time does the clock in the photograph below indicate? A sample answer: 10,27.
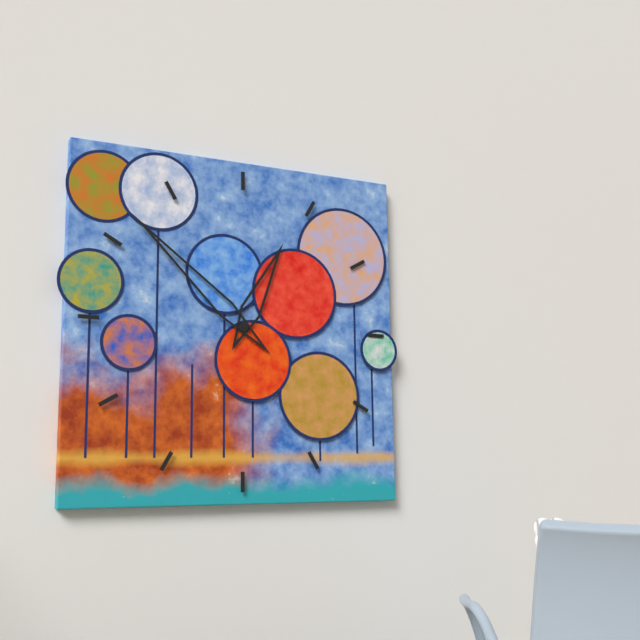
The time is 12,52
